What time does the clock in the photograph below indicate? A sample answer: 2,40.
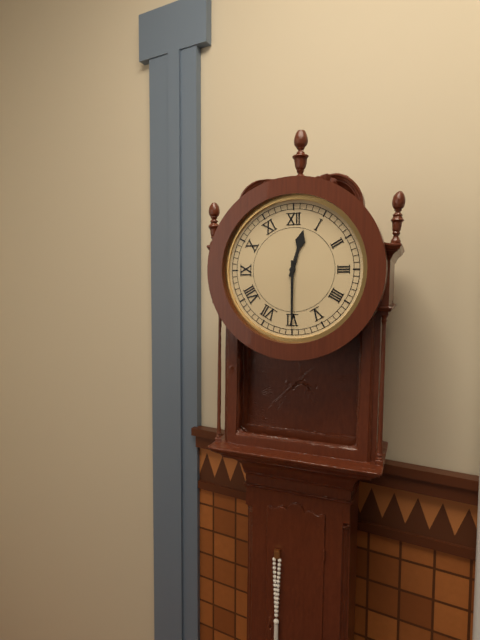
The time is 12,30
